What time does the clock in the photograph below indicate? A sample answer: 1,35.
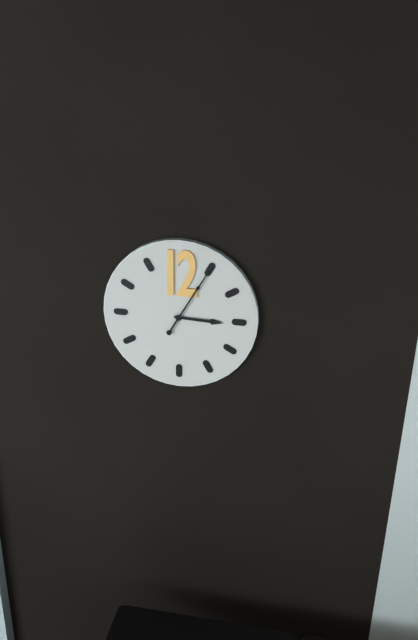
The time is 3,05
